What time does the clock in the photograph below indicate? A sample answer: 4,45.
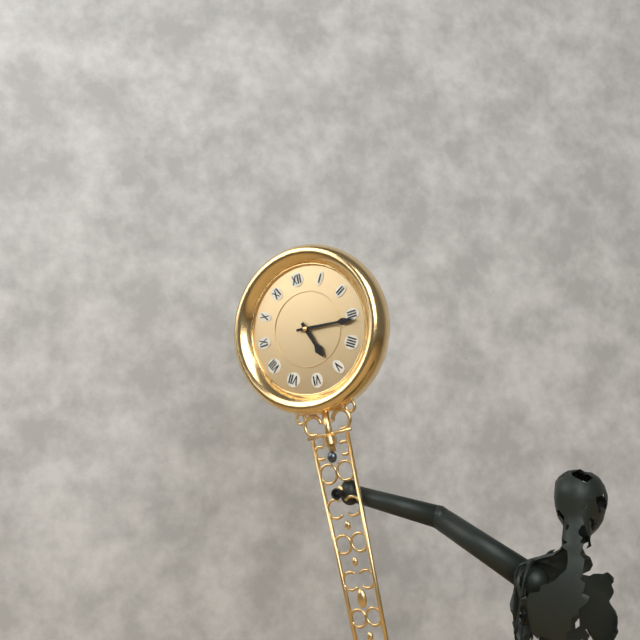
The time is 5,16
